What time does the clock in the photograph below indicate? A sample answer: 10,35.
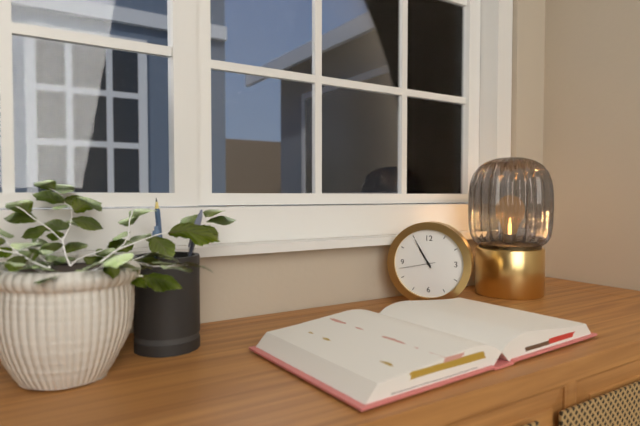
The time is 10,55
